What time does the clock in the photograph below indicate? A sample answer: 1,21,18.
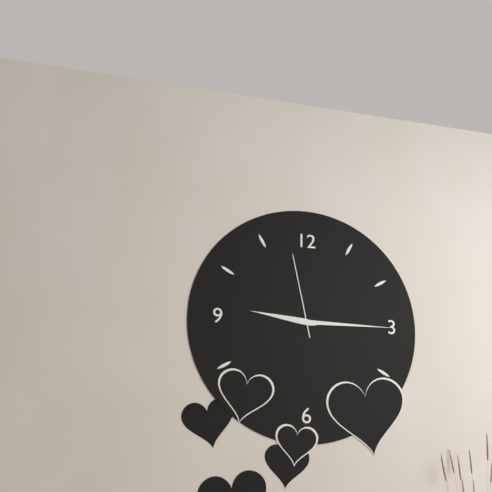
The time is 9,15,58
